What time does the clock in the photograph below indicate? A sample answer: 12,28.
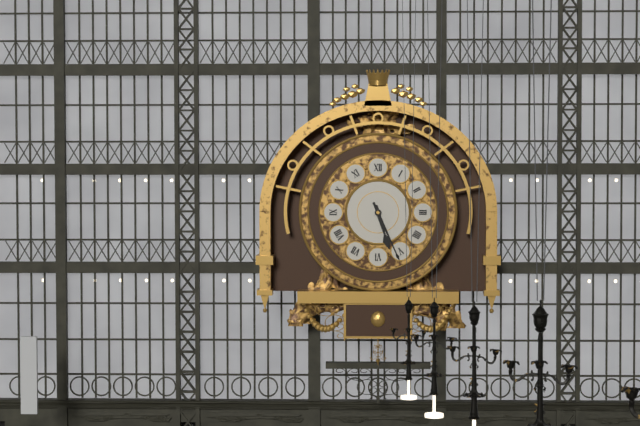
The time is 5,26
